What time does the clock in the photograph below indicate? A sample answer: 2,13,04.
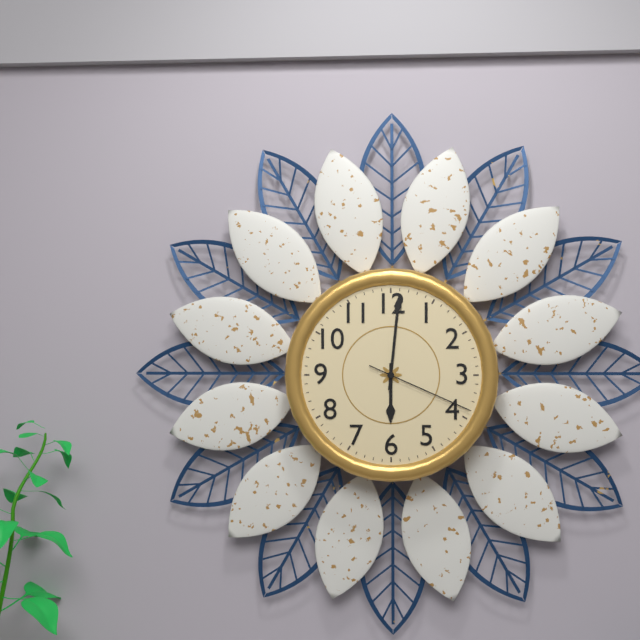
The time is 6,01,19
